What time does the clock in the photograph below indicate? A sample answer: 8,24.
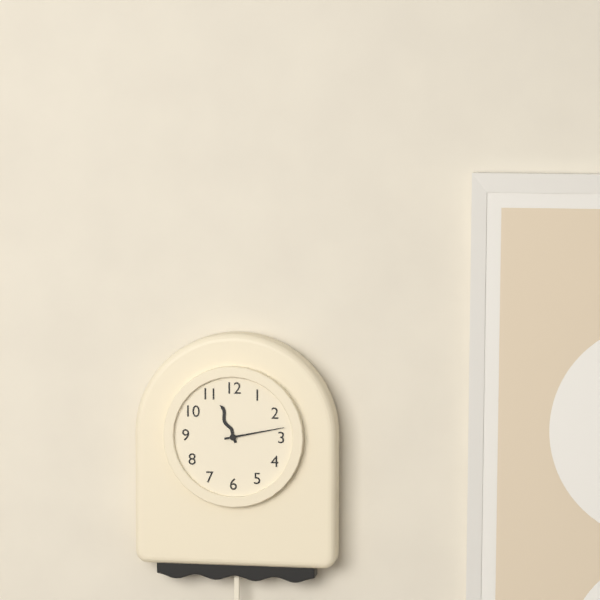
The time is 11,13
